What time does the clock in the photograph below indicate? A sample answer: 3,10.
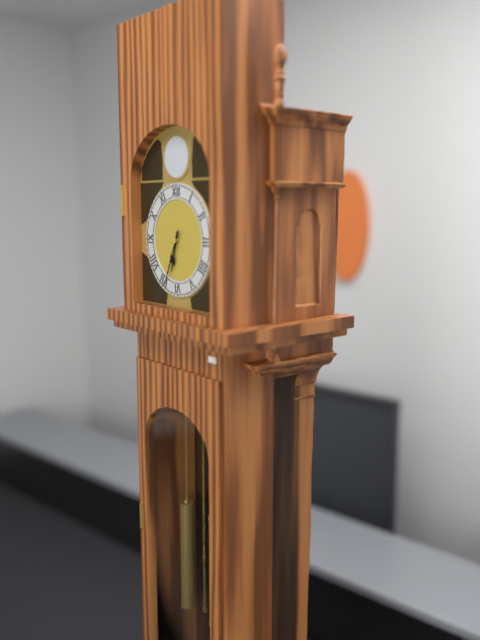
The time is 6,34
